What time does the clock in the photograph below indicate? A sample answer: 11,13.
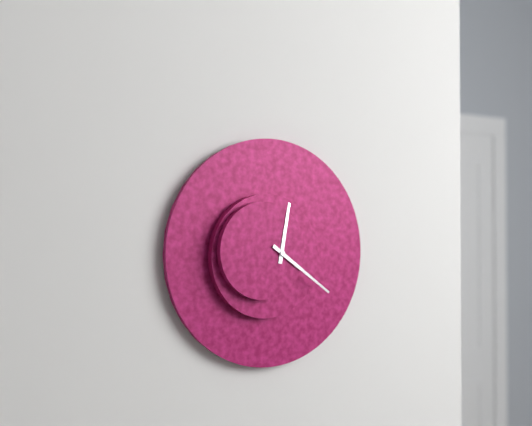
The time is 12,21
